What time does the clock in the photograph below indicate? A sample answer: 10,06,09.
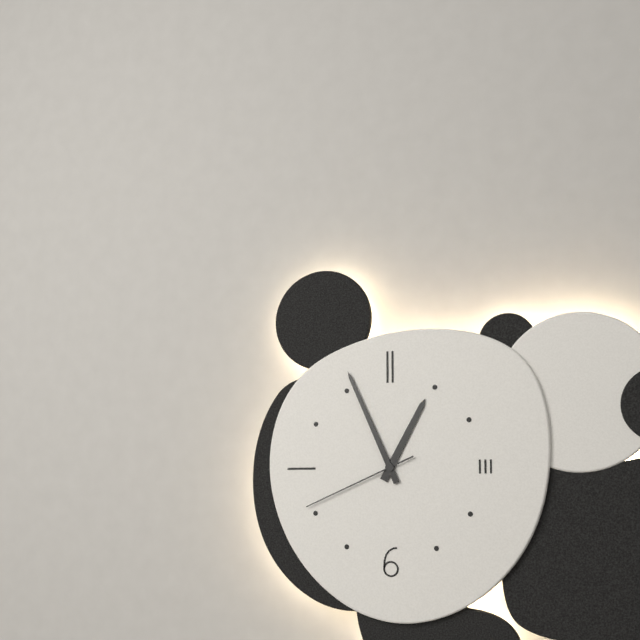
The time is 12,56,41
